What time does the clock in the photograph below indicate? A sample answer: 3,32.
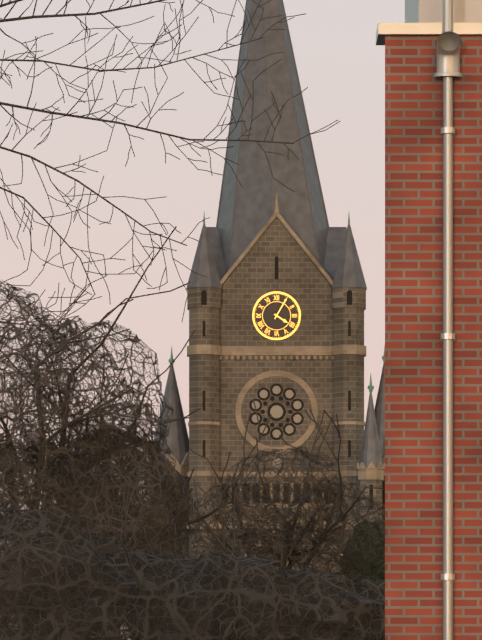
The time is 4,05
